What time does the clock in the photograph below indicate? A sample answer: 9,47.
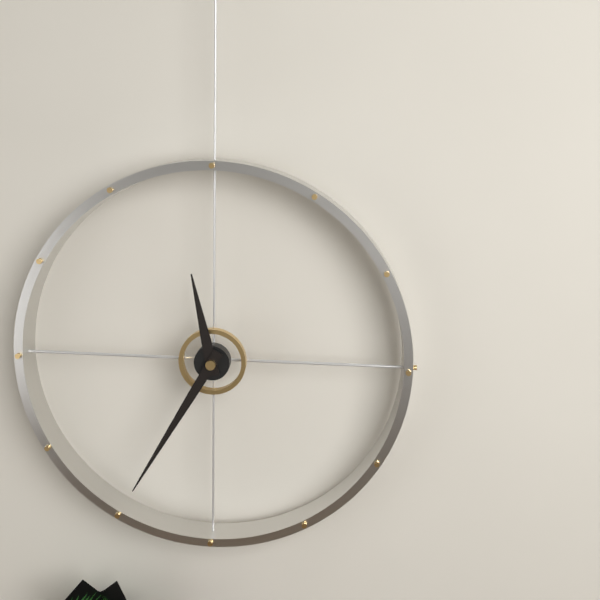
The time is 11,35
